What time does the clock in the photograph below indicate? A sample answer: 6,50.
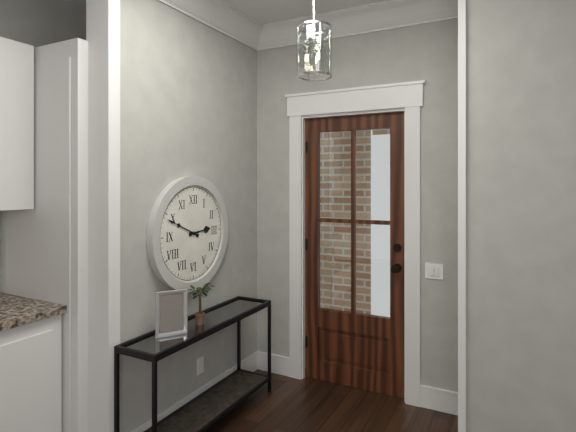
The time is 2,49
